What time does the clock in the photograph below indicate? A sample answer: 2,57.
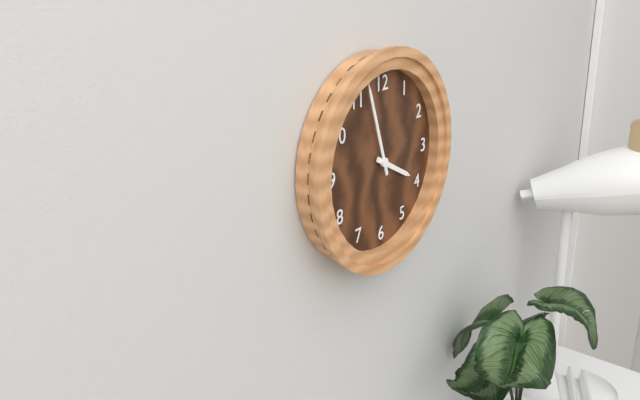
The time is 3,57
